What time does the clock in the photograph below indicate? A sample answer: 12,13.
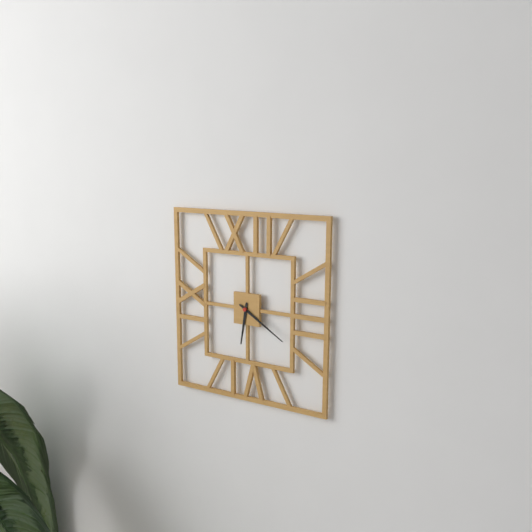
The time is 6,20
